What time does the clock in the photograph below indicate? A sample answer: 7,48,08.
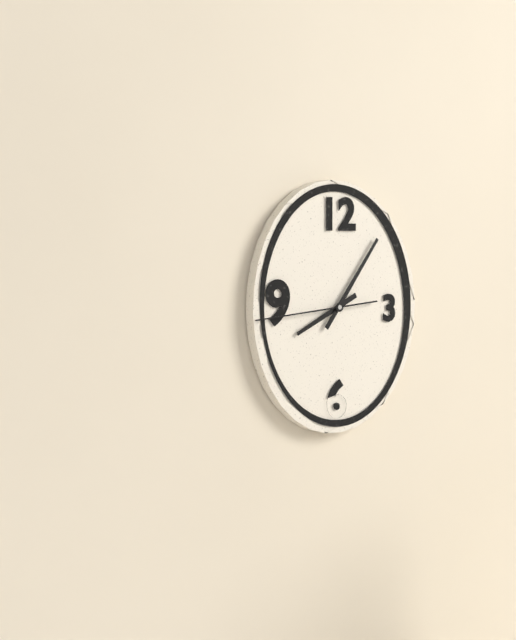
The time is 8,06,44
